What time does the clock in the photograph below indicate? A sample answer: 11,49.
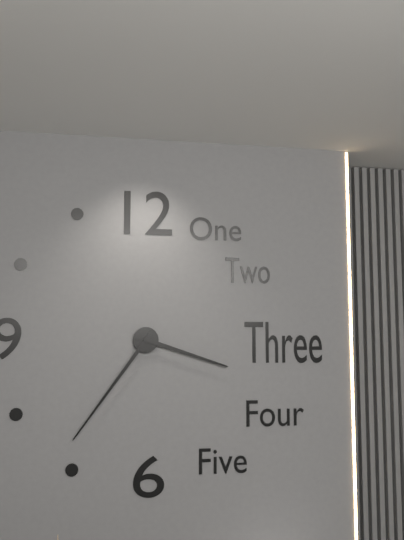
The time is 3,36
